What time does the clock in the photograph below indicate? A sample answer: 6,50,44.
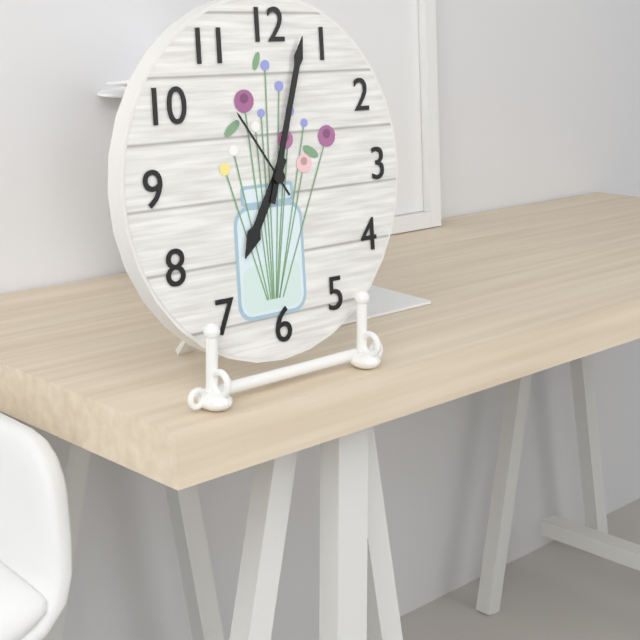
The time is 7,03,54
